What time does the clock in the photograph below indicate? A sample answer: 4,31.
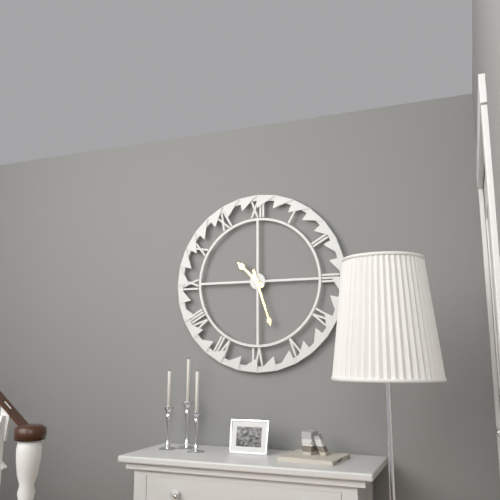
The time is 10,27
